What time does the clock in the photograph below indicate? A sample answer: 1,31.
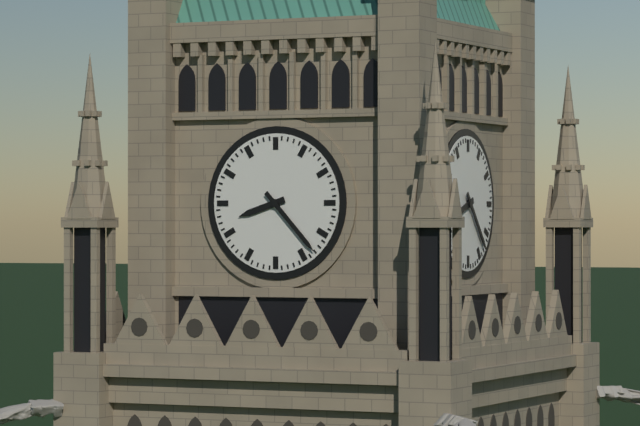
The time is 8,23
